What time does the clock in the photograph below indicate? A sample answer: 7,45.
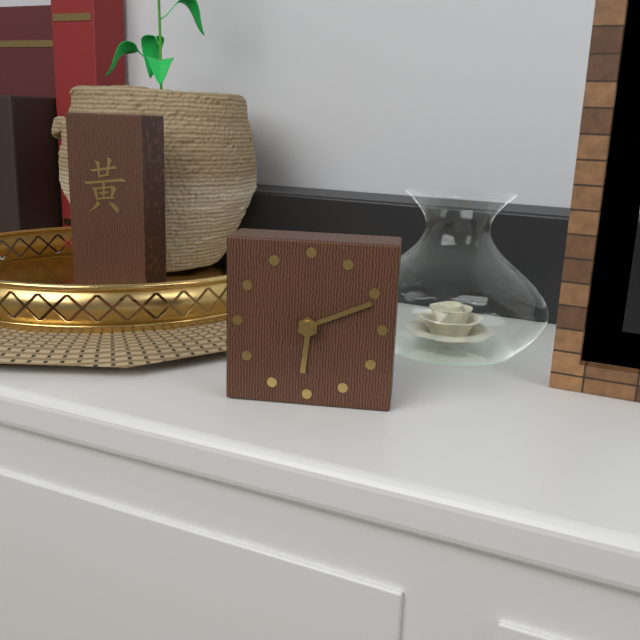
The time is 6,11
